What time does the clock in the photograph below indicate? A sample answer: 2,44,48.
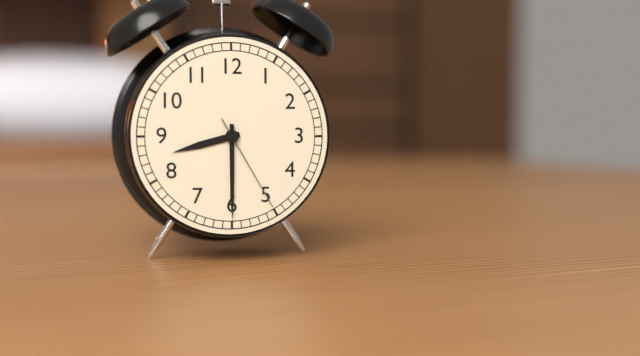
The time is 8,30,25
